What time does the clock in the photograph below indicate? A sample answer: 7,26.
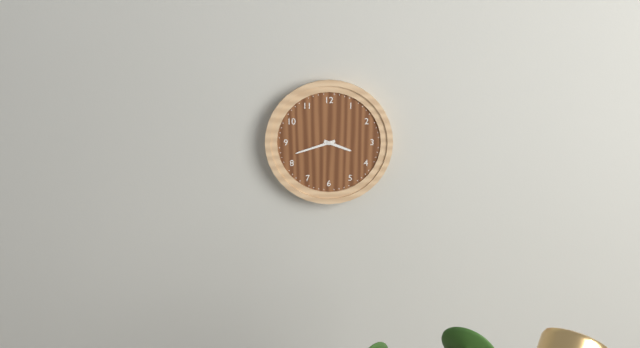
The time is 3,42
